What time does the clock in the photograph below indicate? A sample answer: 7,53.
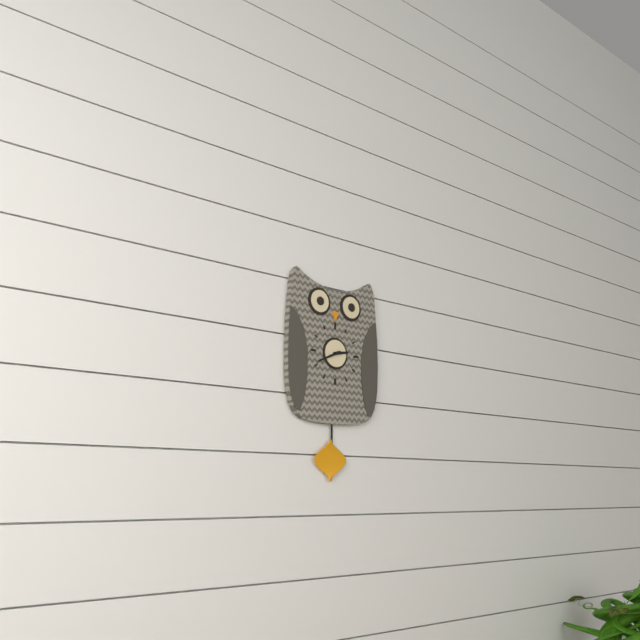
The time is 2,41
